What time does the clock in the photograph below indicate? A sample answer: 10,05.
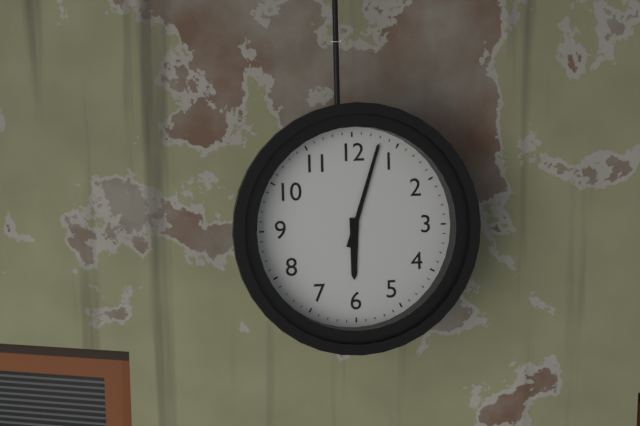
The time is 6,03
